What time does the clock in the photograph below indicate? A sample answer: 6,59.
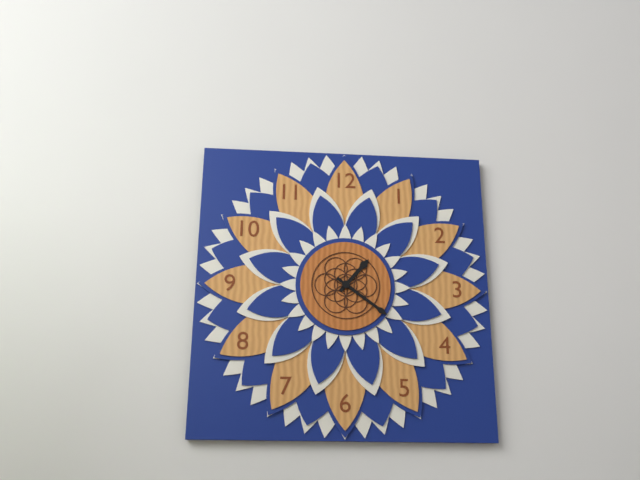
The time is 1,21
